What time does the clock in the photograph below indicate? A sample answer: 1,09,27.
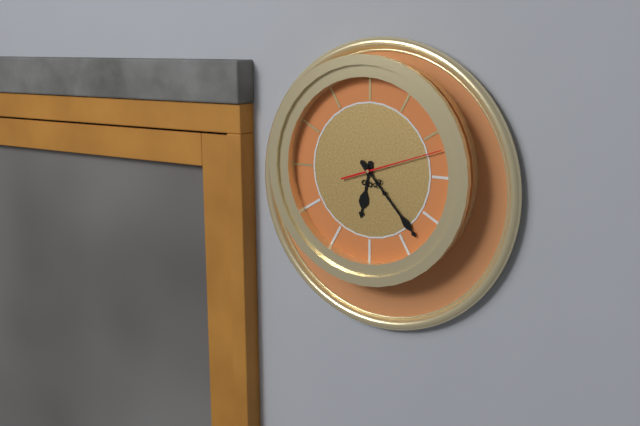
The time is 6,23,12
